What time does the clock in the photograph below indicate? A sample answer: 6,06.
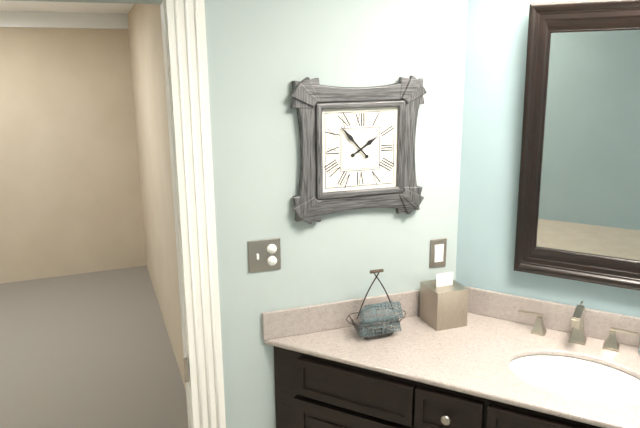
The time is 1,53
